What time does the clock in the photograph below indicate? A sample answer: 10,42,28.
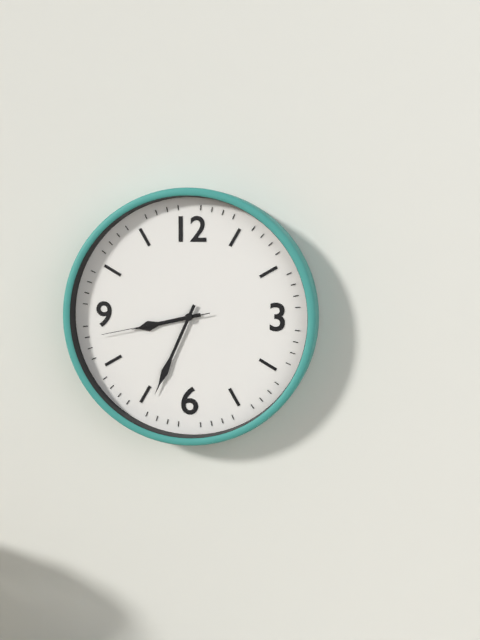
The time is 8,34,43
